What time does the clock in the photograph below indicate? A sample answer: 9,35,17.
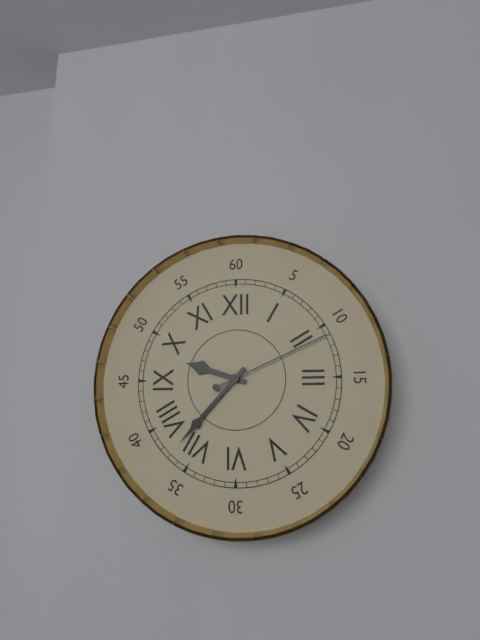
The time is 9,37,11
